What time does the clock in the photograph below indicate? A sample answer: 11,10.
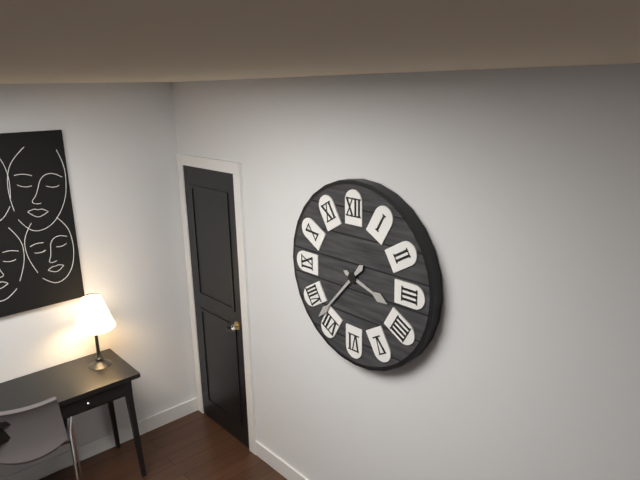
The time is 3,37
